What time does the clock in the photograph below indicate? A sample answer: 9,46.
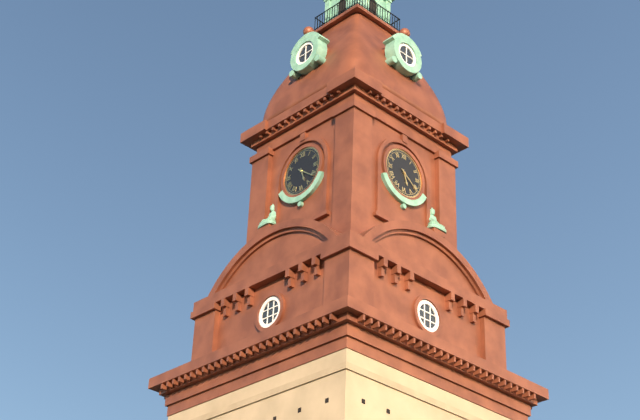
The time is 5,21
